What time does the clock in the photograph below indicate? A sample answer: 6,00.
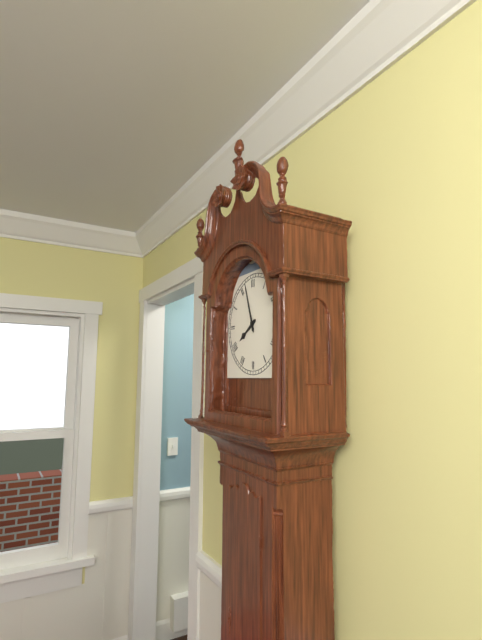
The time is 7,57
